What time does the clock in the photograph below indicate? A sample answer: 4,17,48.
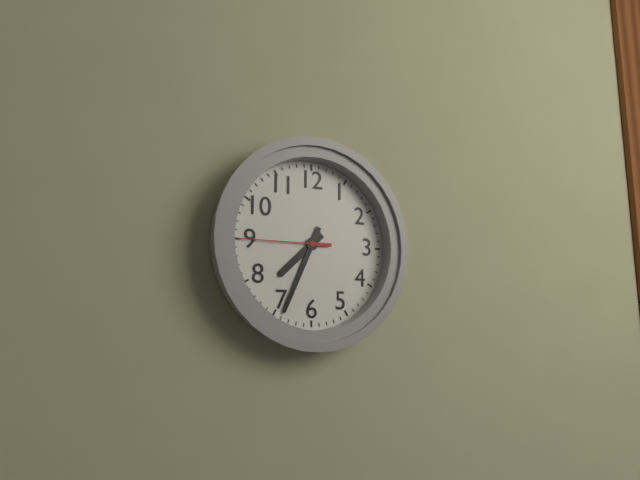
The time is 7,34,45
